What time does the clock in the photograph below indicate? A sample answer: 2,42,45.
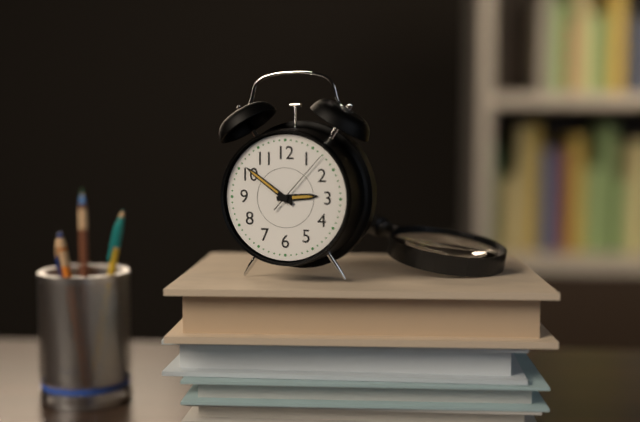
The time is 2,51,07
